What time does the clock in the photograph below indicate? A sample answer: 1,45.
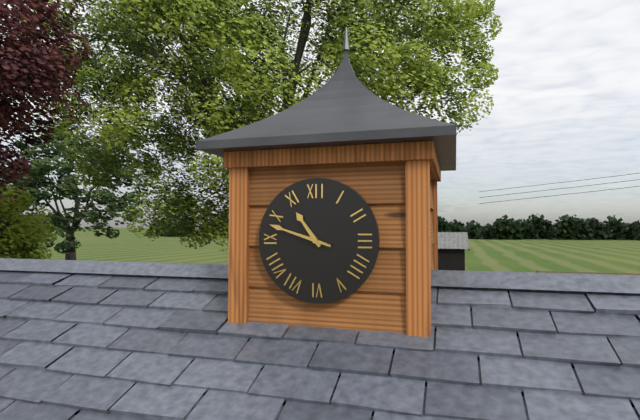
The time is 10,48
